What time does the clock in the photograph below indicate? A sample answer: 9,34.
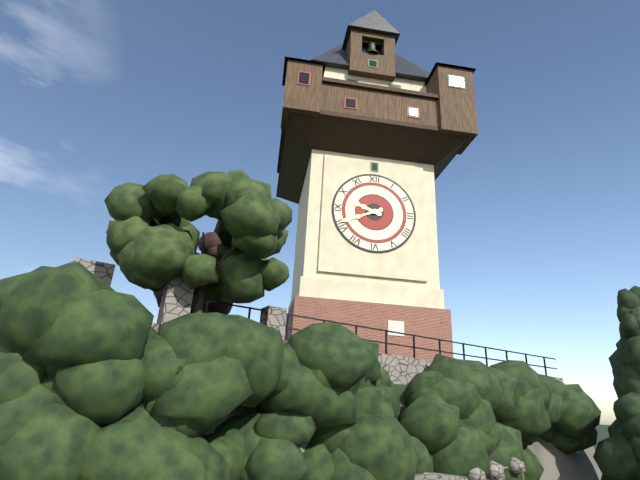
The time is 9,41
